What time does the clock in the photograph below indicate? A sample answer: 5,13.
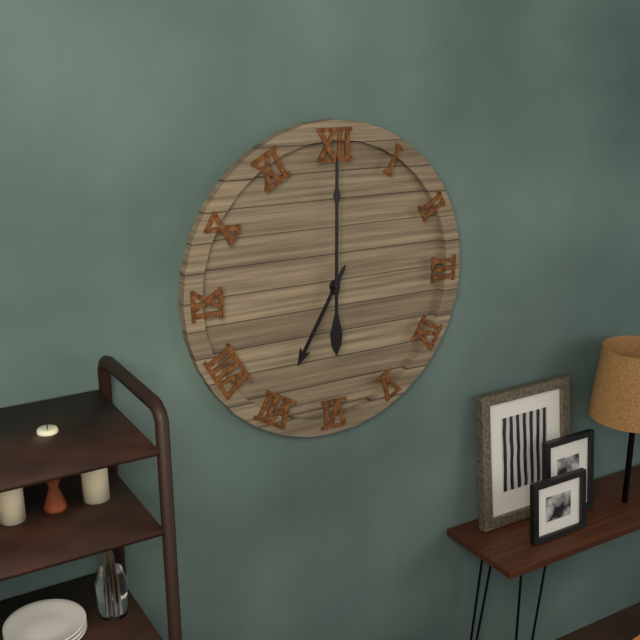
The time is 7,00
